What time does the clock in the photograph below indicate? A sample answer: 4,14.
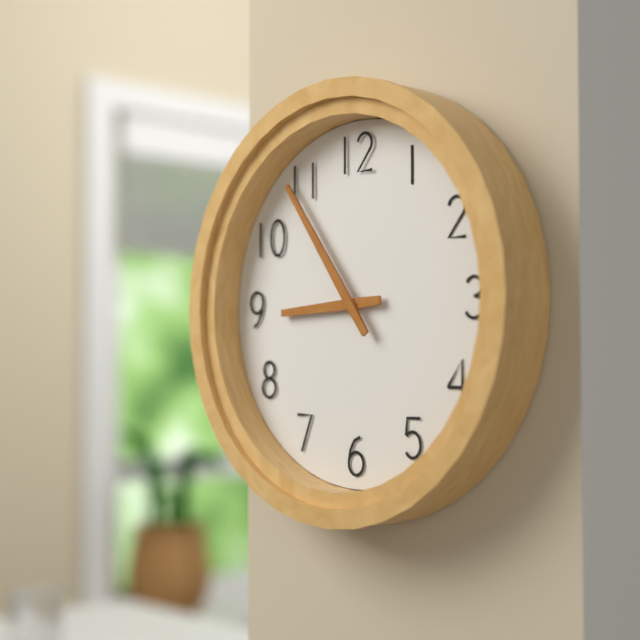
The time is 8,54
